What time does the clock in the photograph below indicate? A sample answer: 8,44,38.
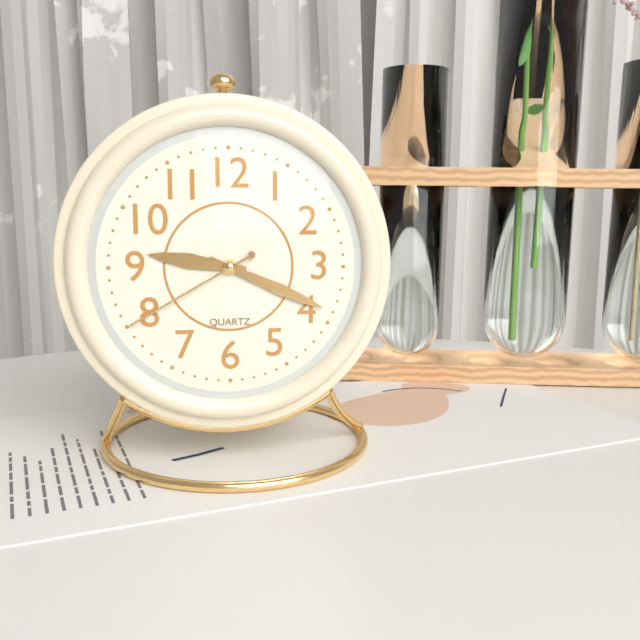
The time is 9,19,40
